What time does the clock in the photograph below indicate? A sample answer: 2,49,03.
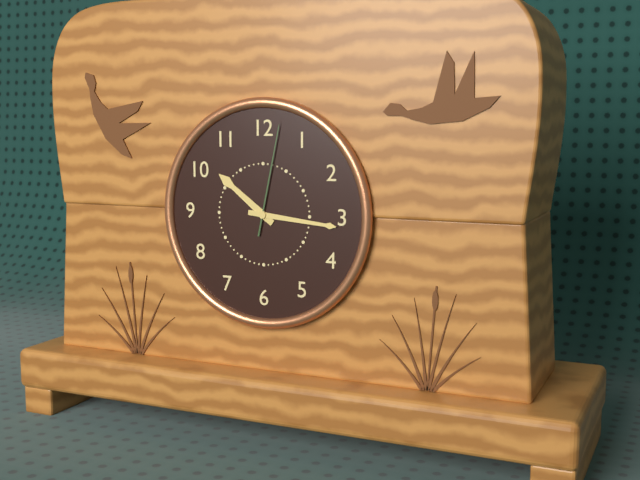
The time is 10,16,02
